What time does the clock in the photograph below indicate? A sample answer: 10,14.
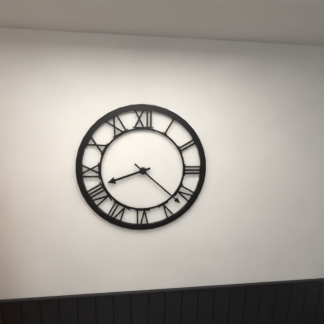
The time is 8,22
